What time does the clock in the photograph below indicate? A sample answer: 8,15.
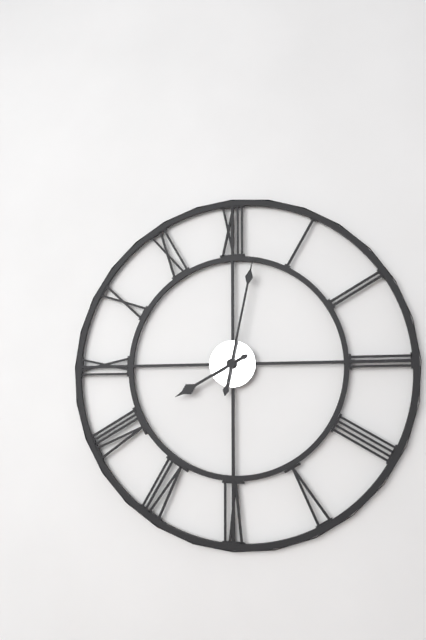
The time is 8,02
